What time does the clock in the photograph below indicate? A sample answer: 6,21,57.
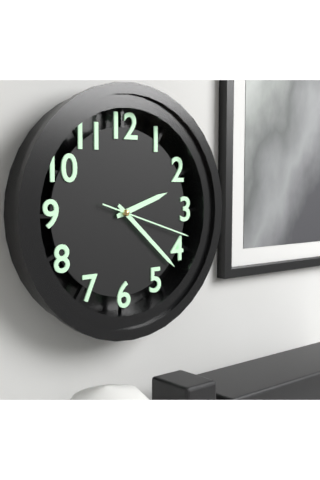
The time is 2,22,18
